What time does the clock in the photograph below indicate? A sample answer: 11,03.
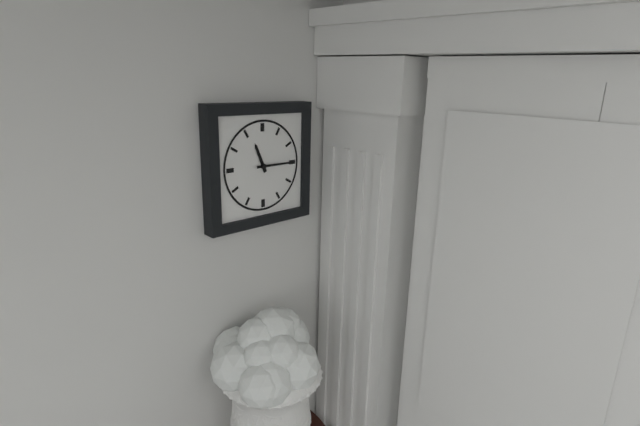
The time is 11,15
